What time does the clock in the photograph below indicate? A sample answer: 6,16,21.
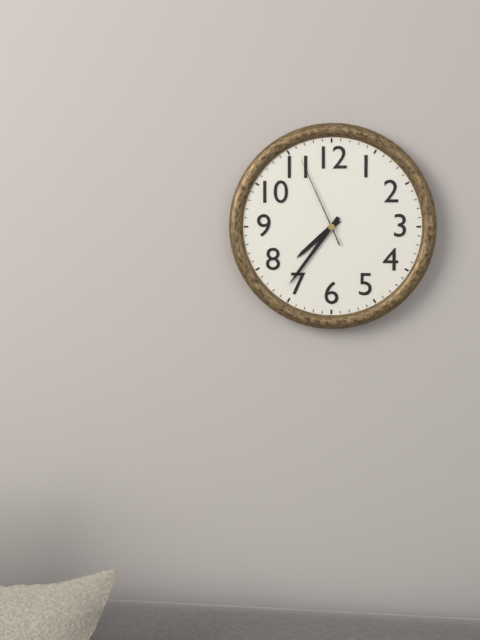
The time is 7,36,56
